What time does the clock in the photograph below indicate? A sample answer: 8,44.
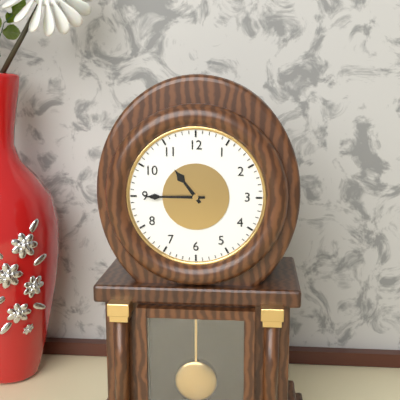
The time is 10,45
